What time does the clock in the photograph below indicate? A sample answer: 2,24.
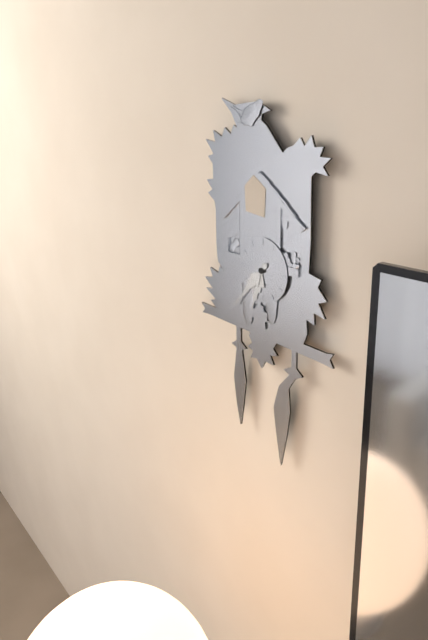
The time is 6,37
